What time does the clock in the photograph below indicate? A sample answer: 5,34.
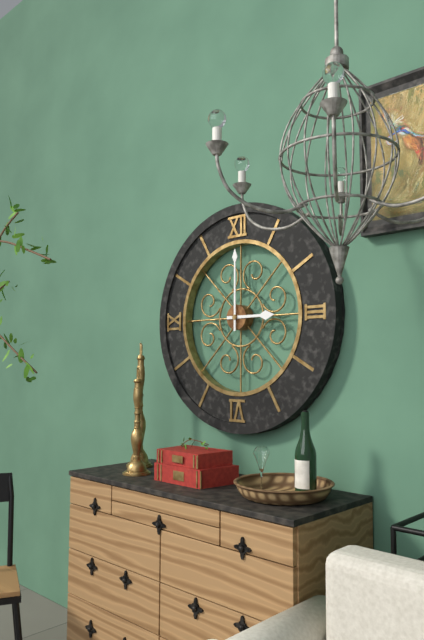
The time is 3,00
